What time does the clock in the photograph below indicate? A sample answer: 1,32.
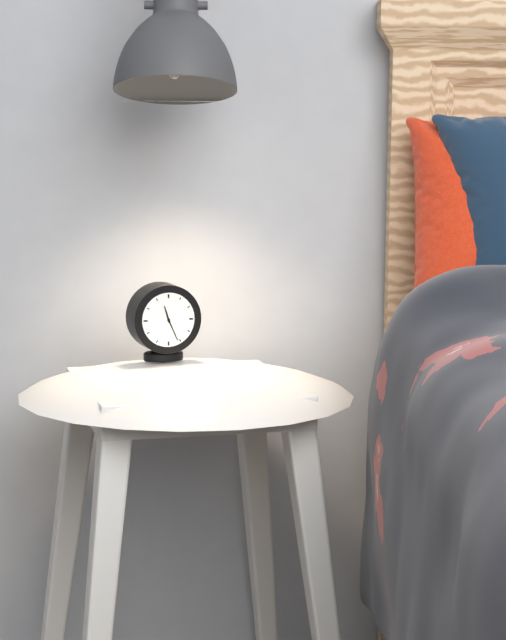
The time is 11,26
